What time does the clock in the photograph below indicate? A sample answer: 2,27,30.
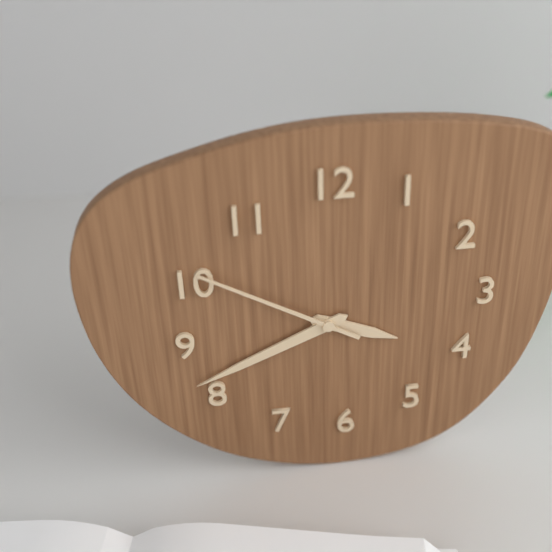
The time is 3,41,50
